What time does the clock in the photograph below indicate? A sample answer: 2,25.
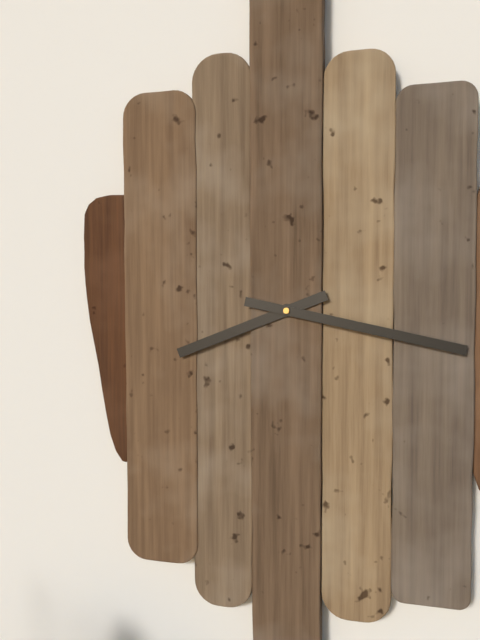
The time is 8,17
